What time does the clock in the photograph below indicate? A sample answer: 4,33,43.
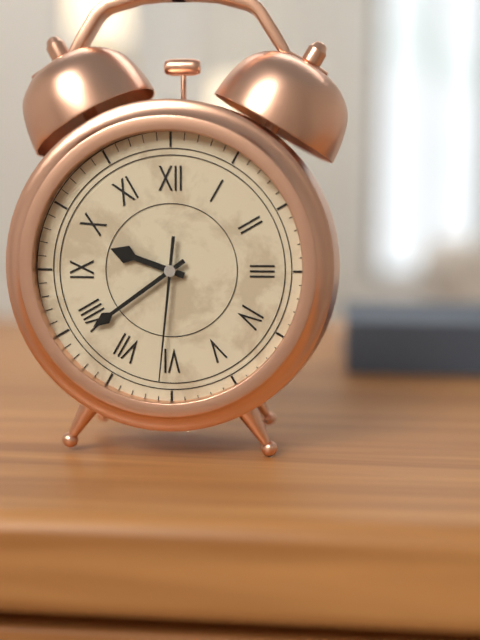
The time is 9,39,31
